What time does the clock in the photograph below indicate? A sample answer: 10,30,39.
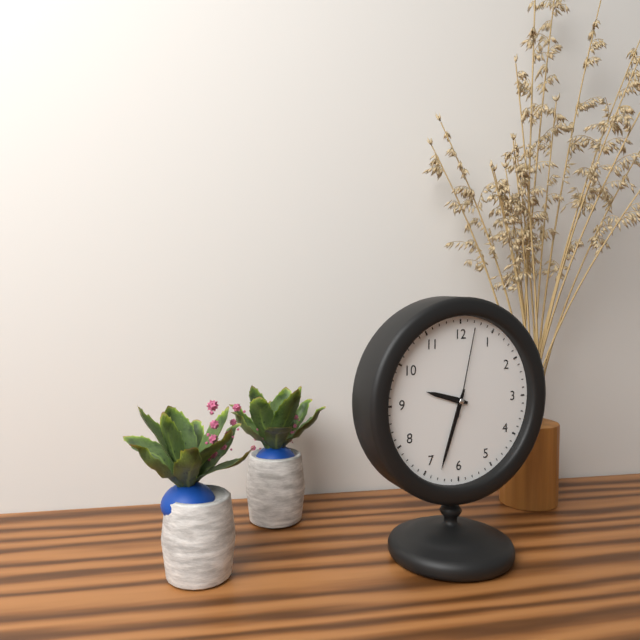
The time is 9,33,02
